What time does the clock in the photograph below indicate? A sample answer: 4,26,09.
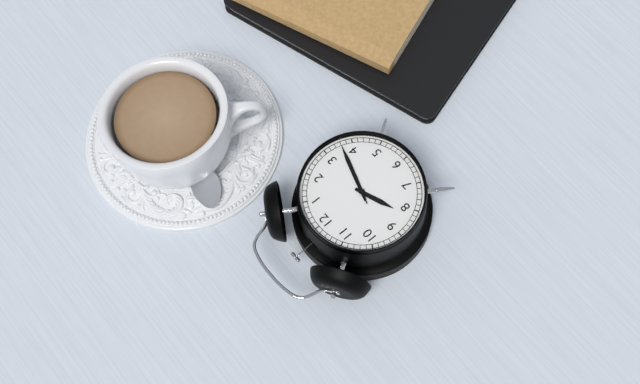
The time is 8,18,18
